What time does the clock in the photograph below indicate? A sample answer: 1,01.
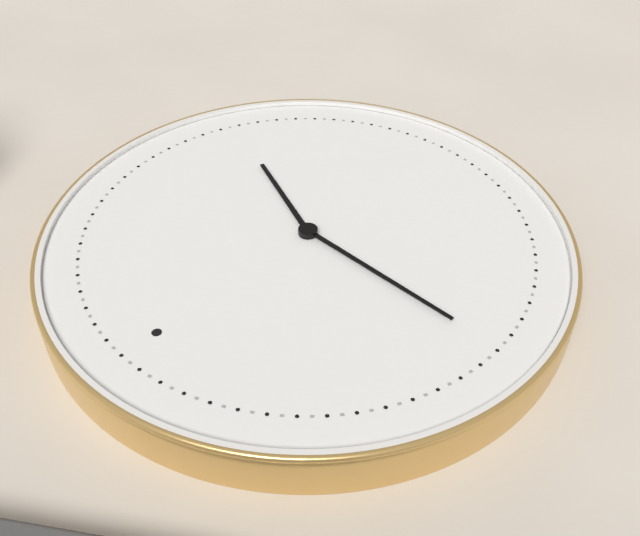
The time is 3,45
